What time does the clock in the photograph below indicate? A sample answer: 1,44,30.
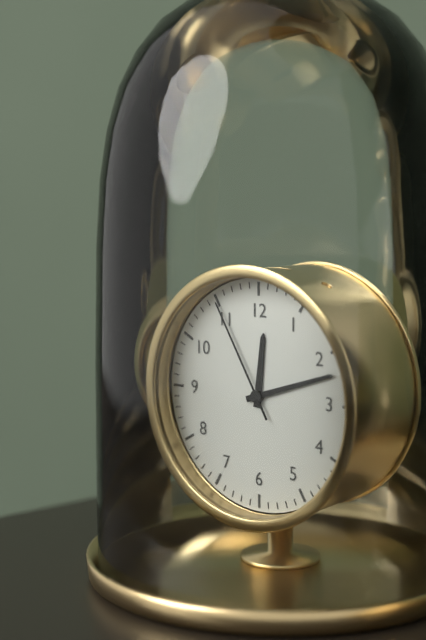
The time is 12,12,55
